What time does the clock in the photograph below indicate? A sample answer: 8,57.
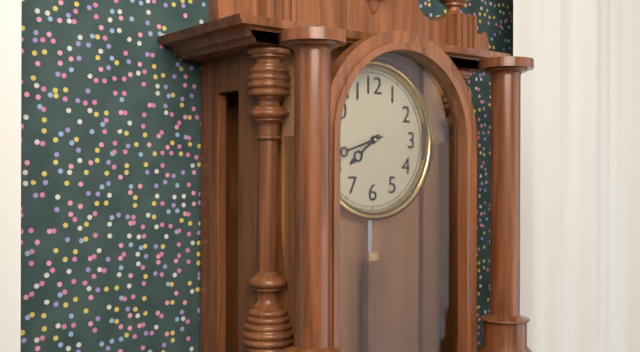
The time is 7,42
